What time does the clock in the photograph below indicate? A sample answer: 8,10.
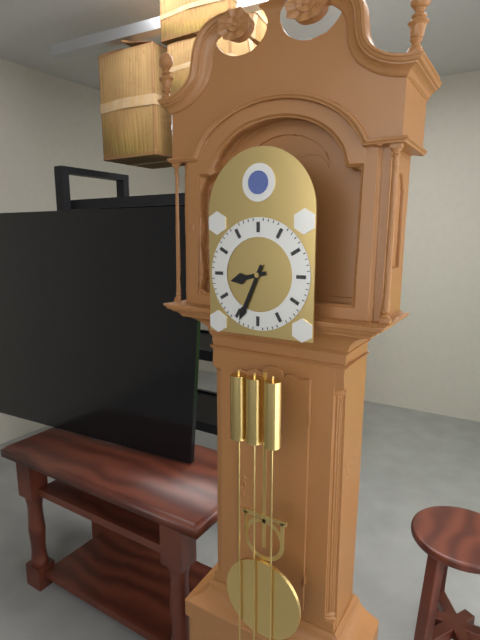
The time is 8,34
